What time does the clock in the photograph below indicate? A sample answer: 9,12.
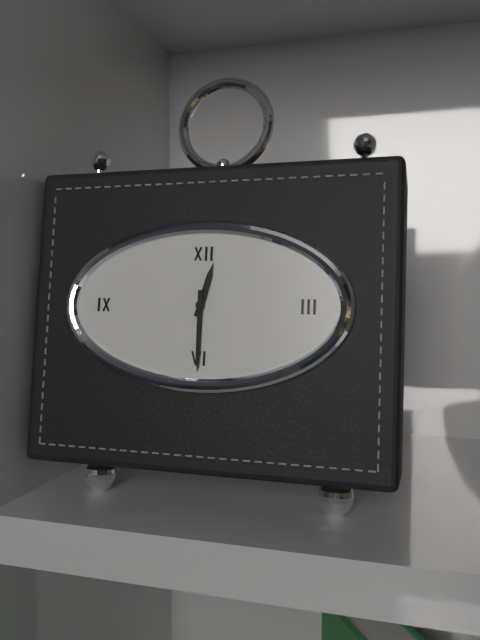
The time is 12,30
